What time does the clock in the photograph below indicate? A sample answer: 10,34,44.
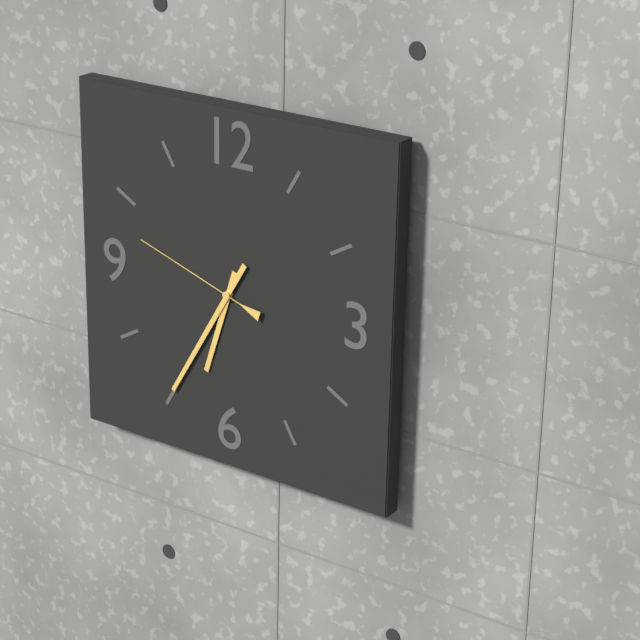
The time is 6,35,48
